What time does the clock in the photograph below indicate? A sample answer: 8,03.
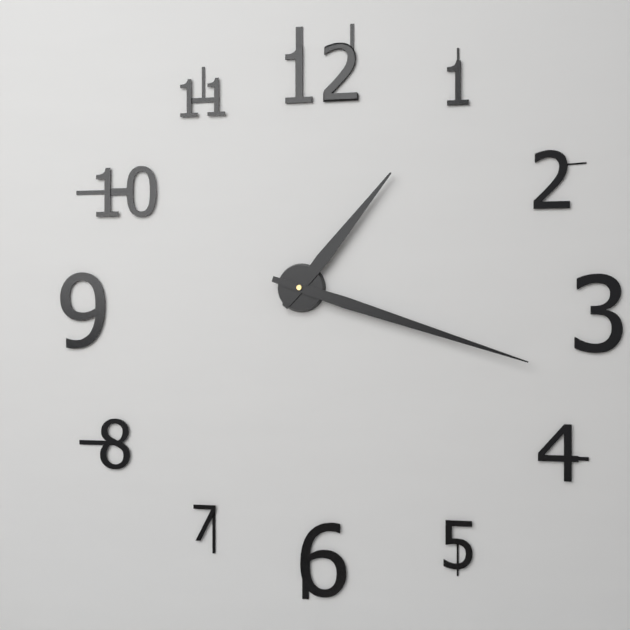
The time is 1,18
